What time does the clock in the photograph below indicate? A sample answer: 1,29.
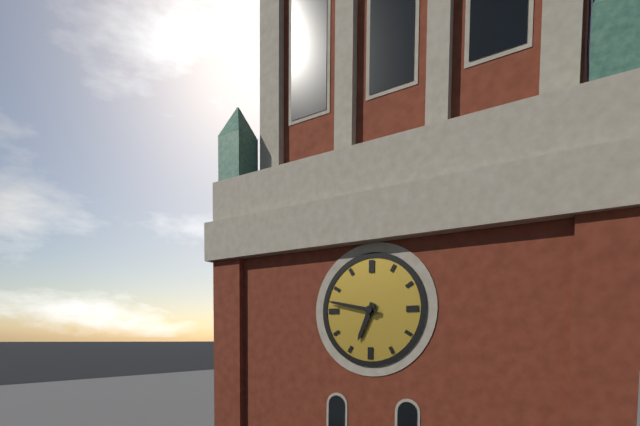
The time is 6,47
